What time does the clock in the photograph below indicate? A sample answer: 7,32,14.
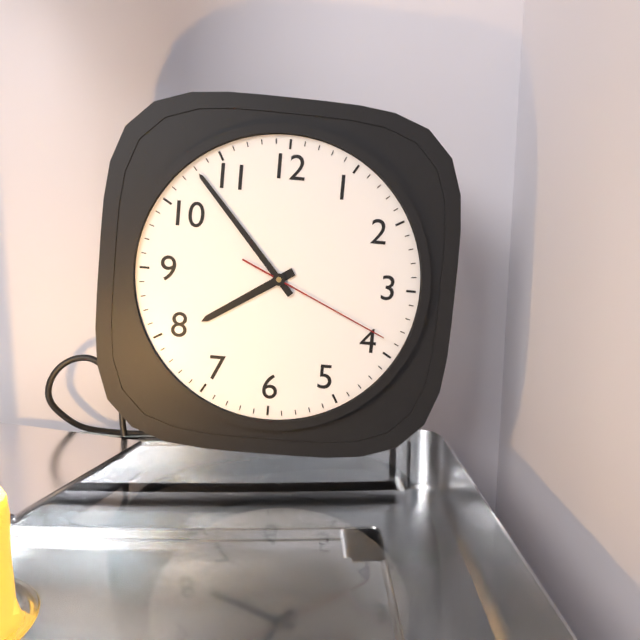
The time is 7,53,19
